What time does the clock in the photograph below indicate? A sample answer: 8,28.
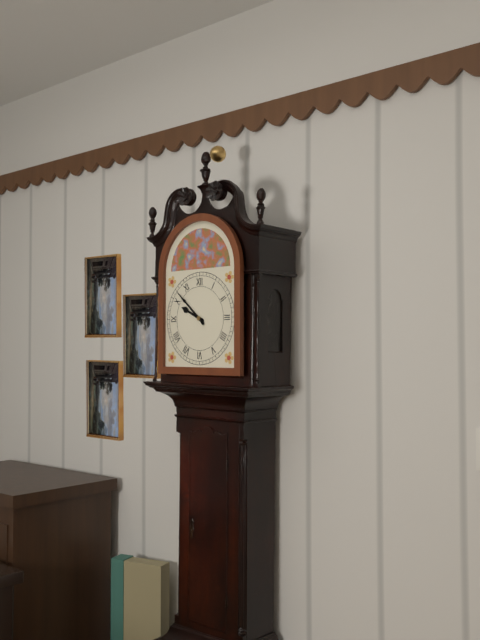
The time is 9,52
